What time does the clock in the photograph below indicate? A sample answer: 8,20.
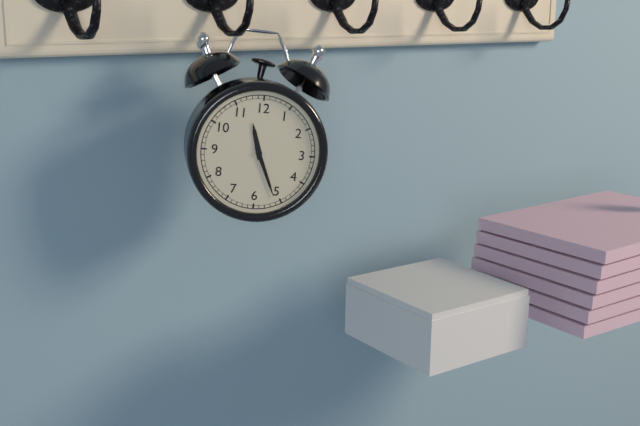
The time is 11,26
